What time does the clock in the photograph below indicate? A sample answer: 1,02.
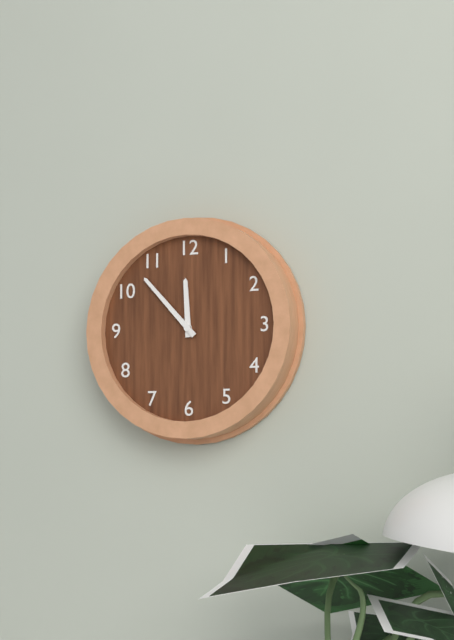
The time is 11,53
